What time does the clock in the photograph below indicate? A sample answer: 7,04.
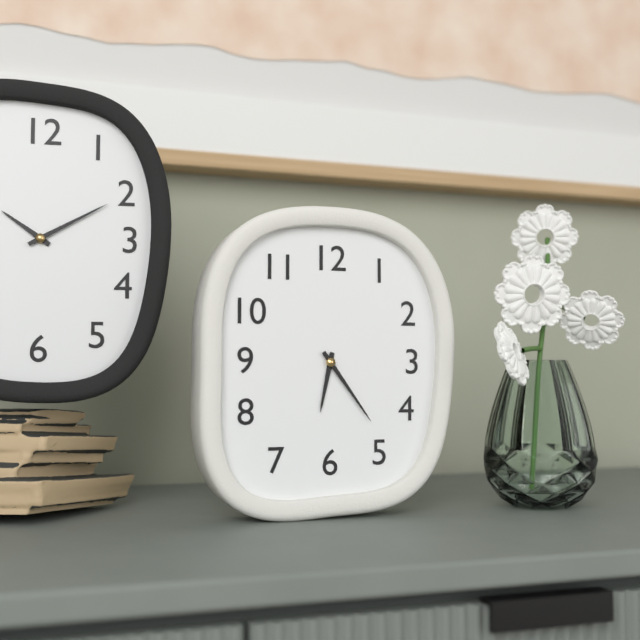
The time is 6,24
